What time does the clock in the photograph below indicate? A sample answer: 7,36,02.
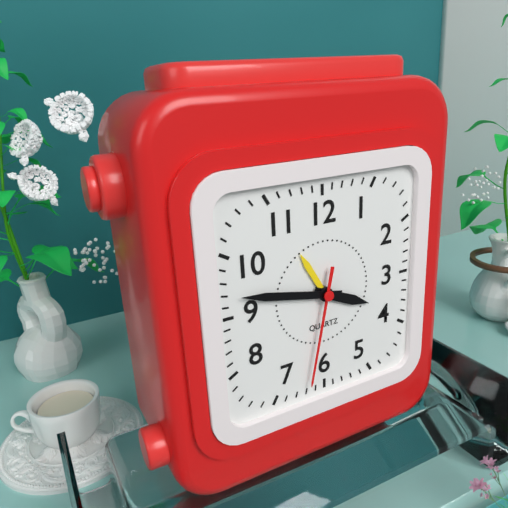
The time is 3,47,32
